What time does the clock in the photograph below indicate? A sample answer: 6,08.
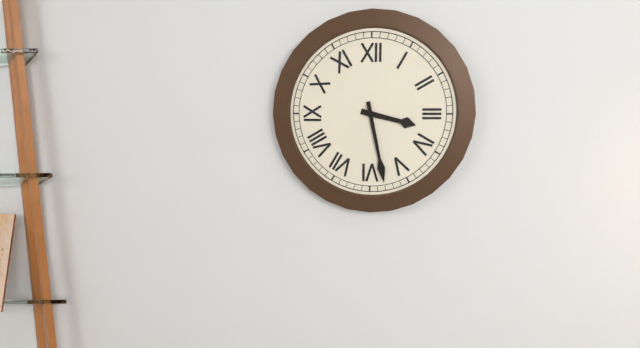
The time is 3,28
